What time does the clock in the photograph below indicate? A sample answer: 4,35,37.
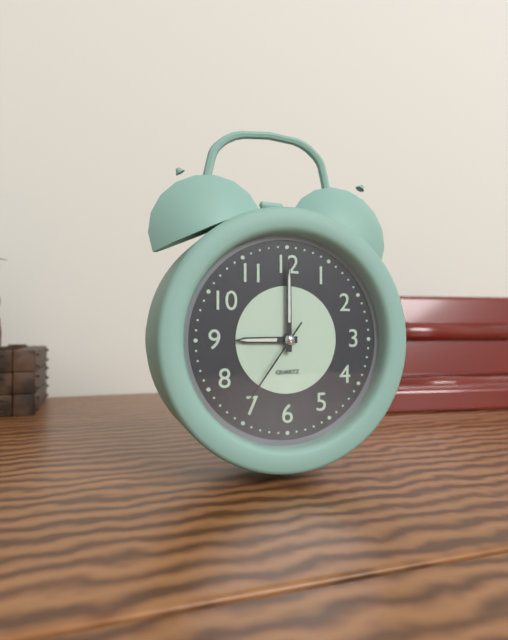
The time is 9,00,36
